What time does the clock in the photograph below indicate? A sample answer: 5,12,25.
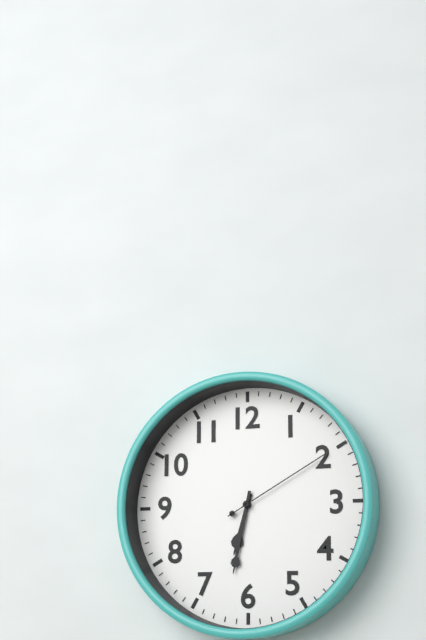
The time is 6,32,10
